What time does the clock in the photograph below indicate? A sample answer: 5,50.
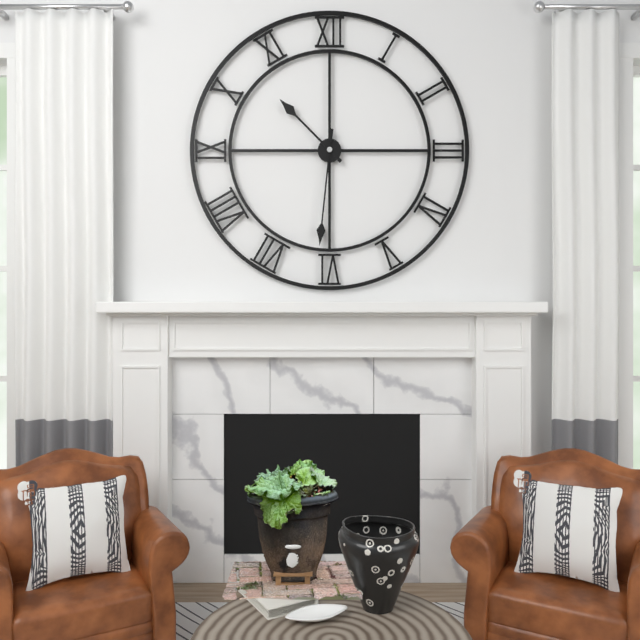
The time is 10,31
